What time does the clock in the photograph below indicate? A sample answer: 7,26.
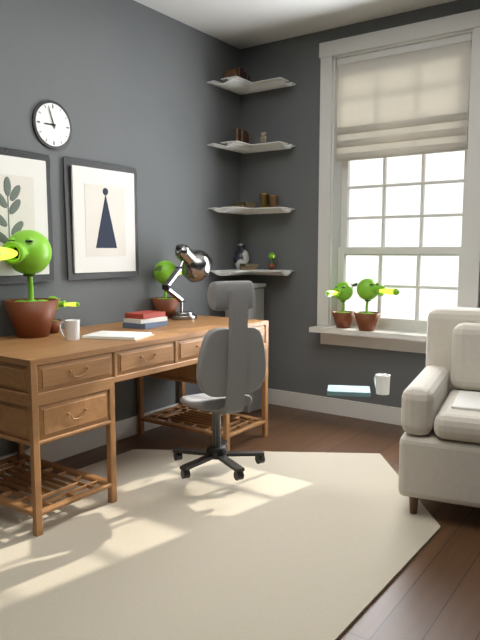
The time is 8,57
